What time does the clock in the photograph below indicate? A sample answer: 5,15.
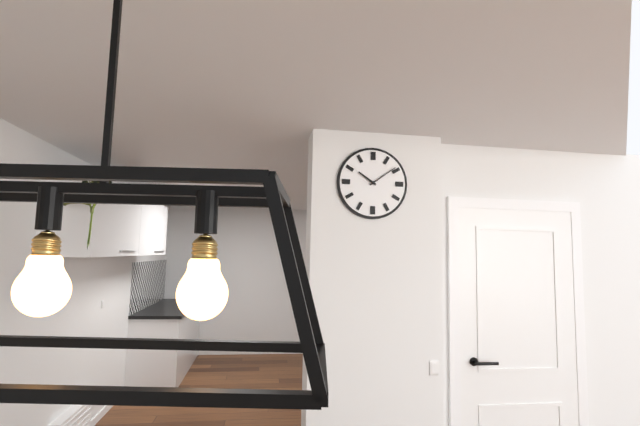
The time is 10,09
